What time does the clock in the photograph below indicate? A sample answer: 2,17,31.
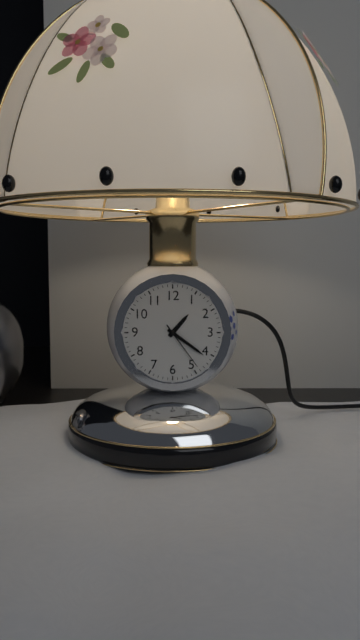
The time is 1,21,24
